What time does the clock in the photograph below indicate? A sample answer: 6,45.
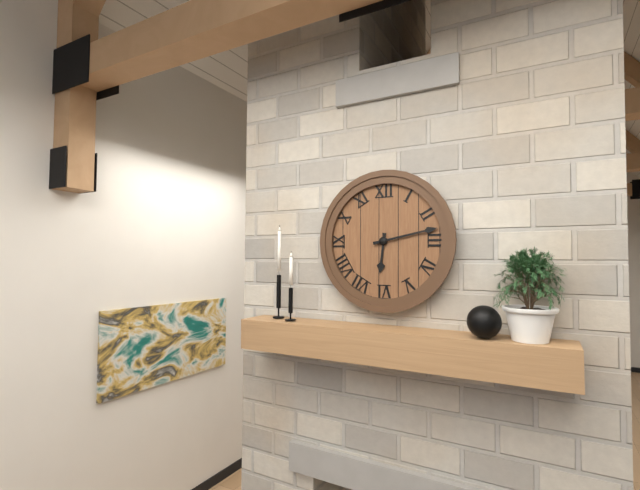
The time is 6,13
